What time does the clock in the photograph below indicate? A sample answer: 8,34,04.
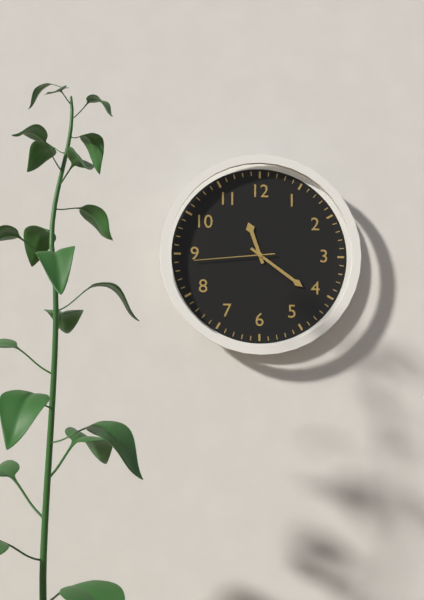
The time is 11,21,44
